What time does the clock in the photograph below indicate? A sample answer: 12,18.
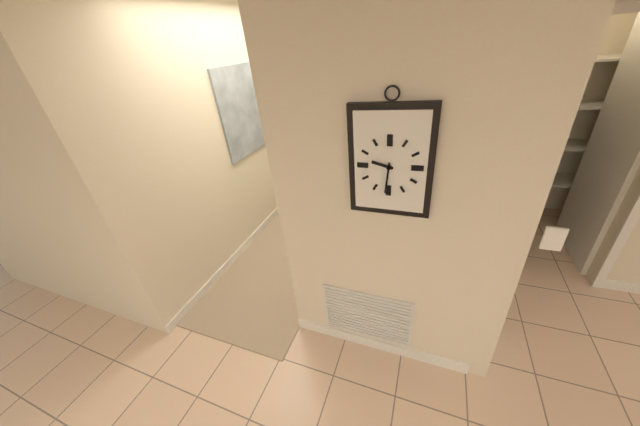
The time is 9,31
